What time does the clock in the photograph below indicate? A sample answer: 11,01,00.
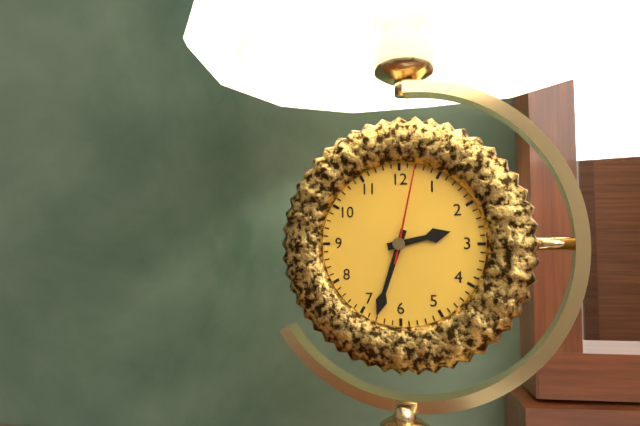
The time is 2,33,02
